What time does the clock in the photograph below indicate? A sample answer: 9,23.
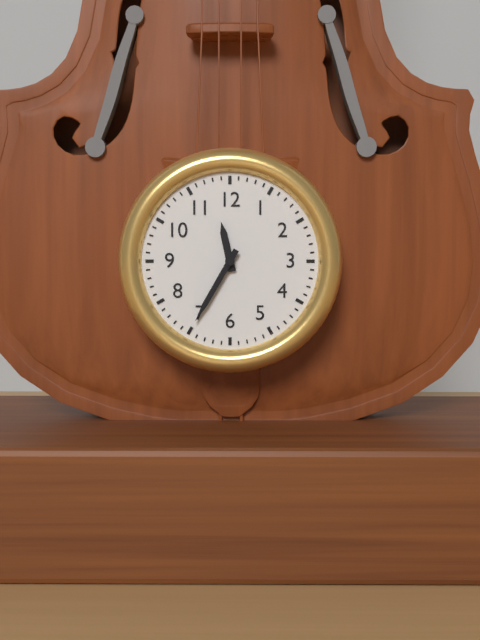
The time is 11,35
